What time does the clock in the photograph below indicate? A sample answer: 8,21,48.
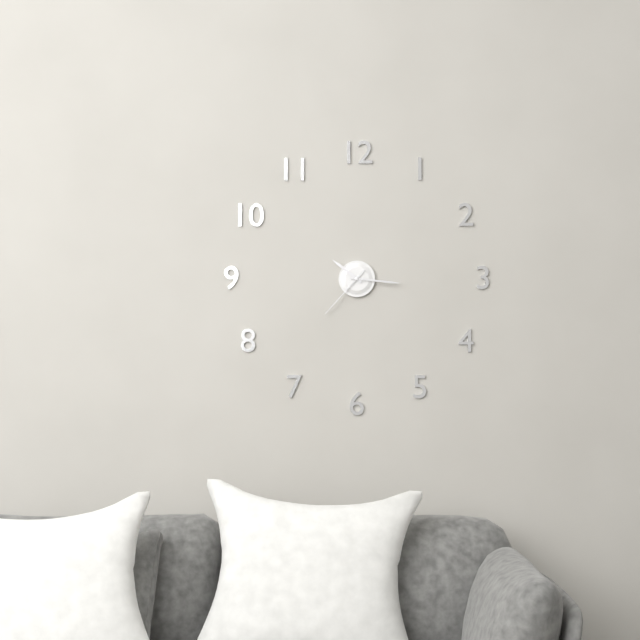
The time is 10,16,37
